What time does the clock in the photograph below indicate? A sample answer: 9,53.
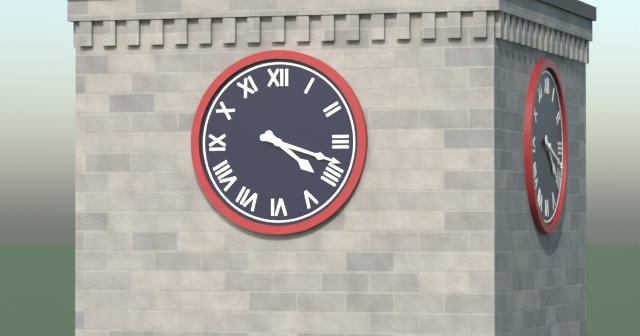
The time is 4,18
